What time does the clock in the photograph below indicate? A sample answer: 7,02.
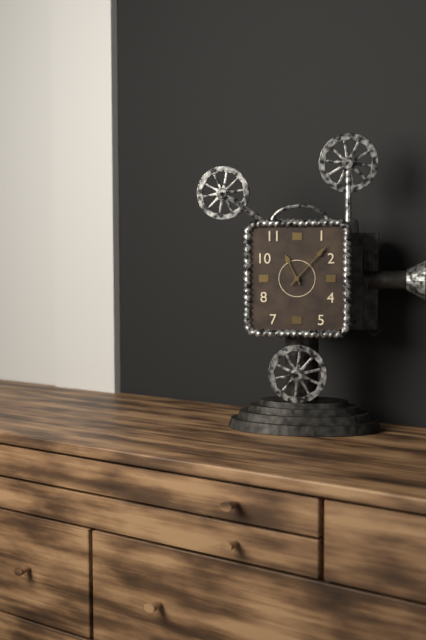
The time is 11,07
